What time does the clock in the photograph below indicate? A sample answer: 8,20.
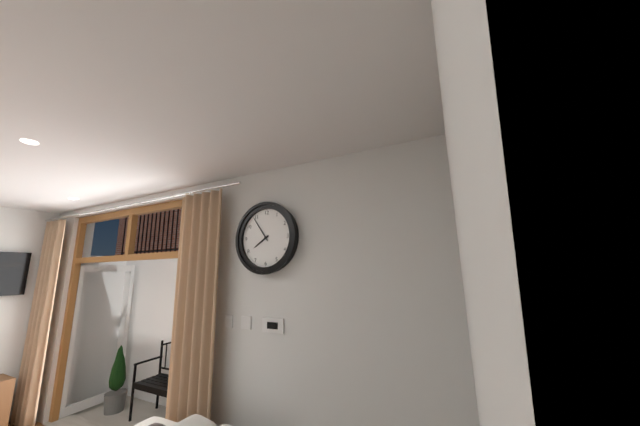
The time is 7,54
